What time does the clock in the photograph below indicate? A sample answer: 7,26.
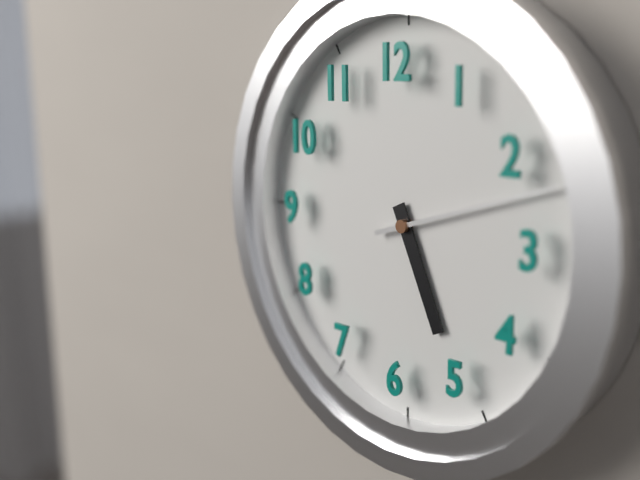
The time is 5,12
